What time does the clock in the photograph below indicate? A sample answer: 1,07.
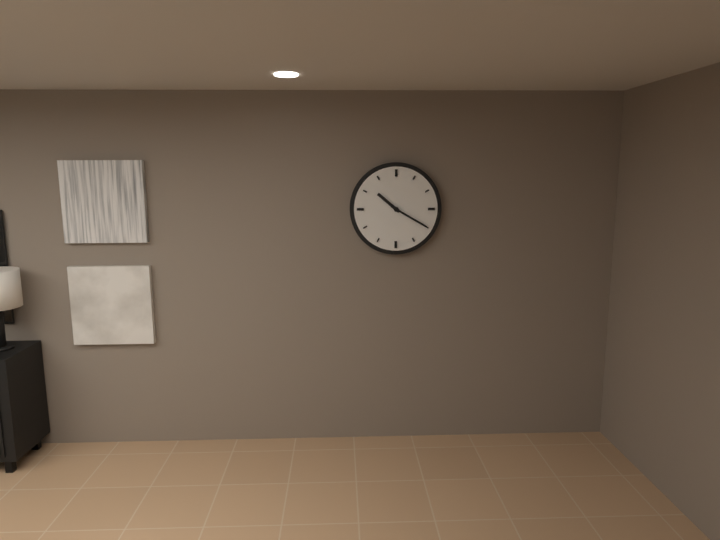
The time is 10,20
